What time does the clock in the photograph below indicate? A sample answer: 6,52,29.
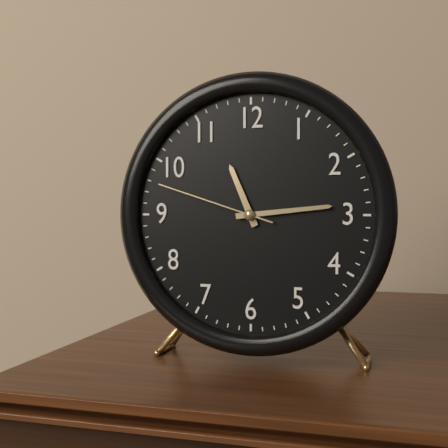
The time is 11,14,48
